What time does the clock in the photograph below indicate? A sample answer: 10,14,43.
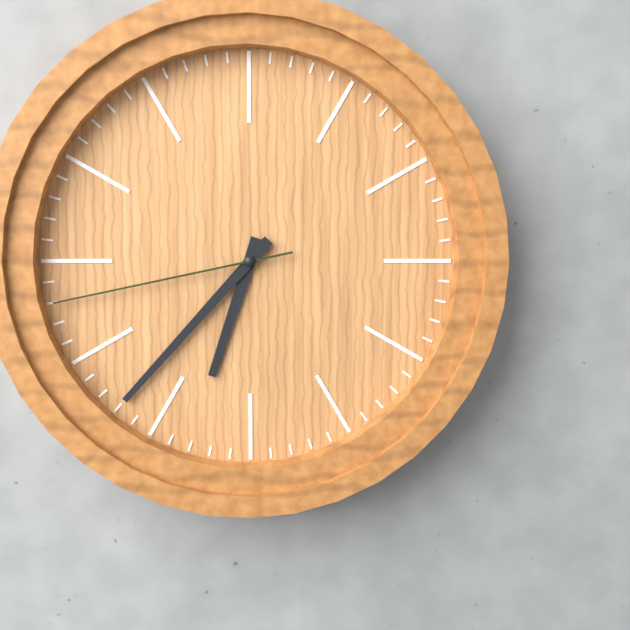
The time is 6,37,43
